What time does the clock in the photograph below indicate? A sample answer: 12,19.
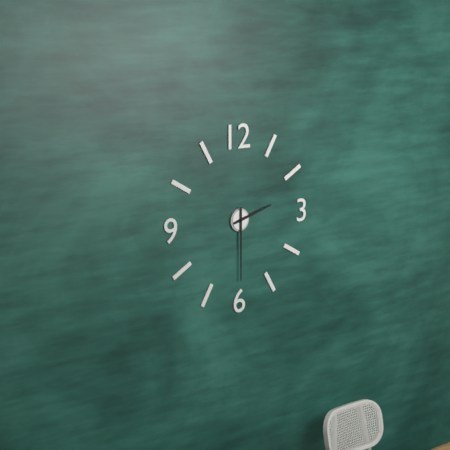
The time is 2,30
